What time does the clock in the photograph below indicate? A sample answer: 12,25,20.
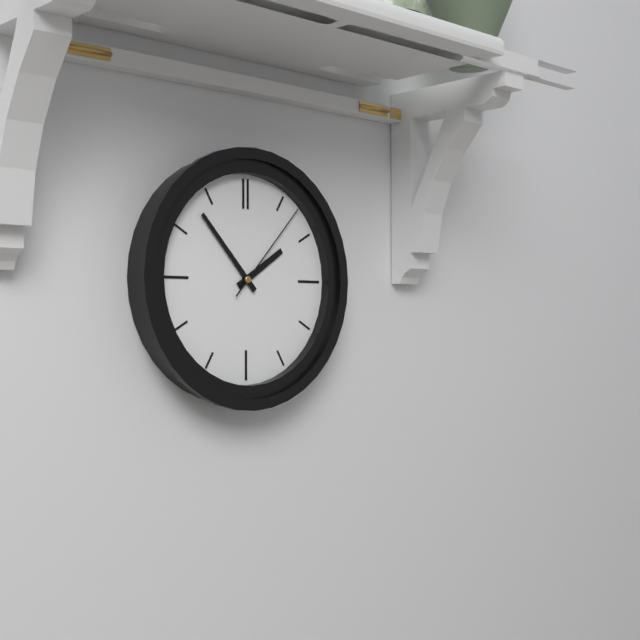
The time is 1,53,07
